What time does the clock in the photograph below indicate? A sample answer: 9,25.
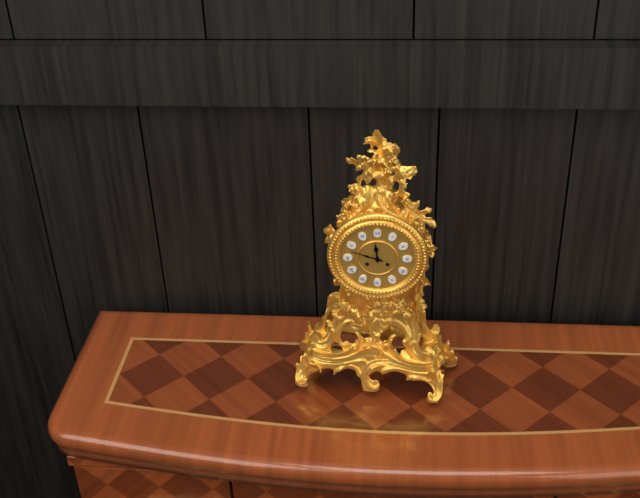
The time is 11,48
